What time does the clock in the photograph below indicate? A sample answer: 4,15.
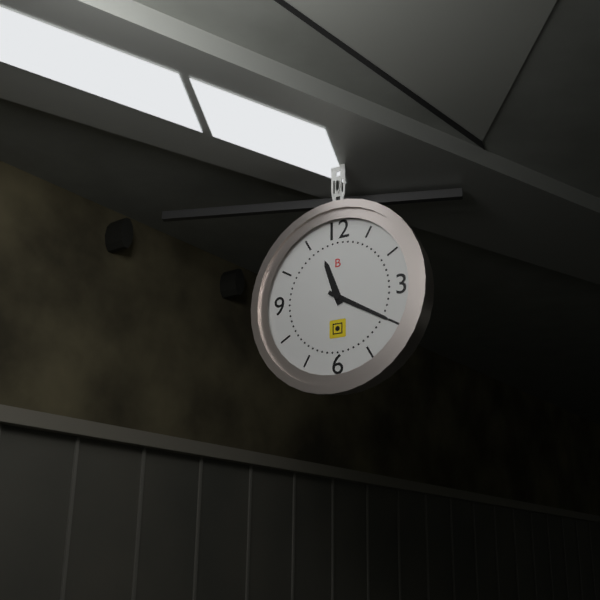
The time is 11,20
